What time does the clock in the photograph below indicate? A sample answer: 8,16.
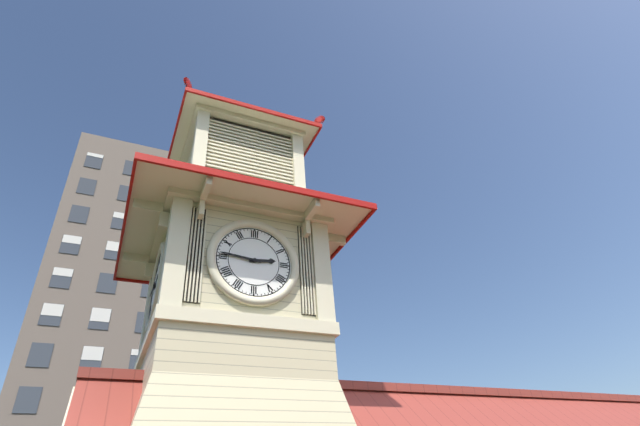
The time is 2,46
